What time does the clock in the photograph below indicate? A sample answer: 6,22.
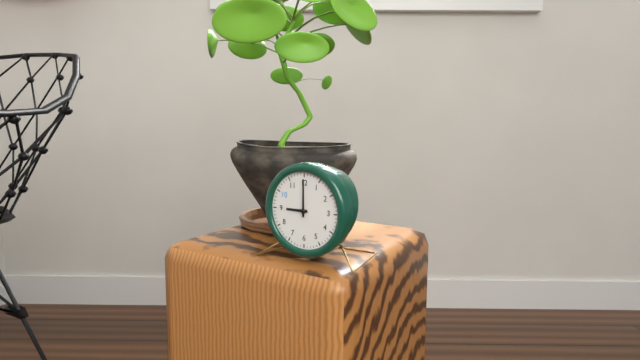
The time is 9,00
